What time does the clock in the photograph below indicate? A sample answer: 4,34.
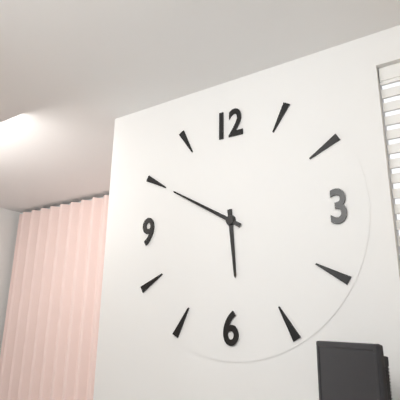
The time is 5,50
